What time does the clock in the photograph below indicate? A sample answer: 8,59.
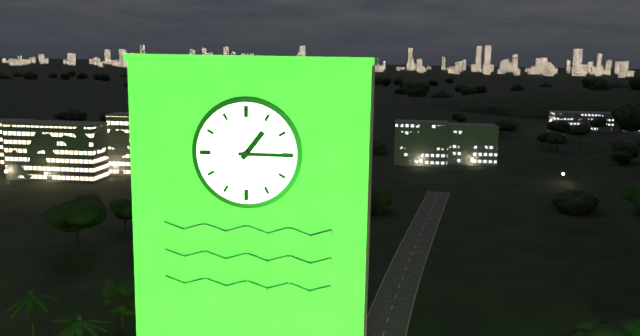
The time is 1,15
